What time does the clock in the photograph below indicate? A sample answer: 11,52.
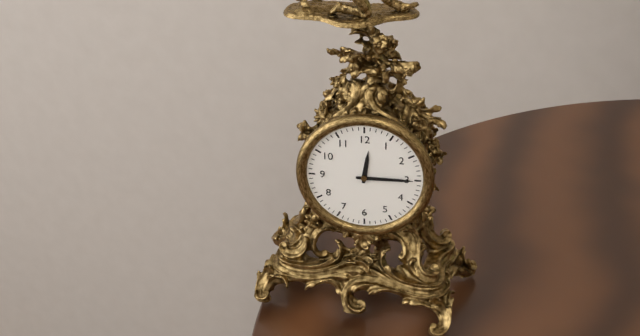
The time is 12,15
